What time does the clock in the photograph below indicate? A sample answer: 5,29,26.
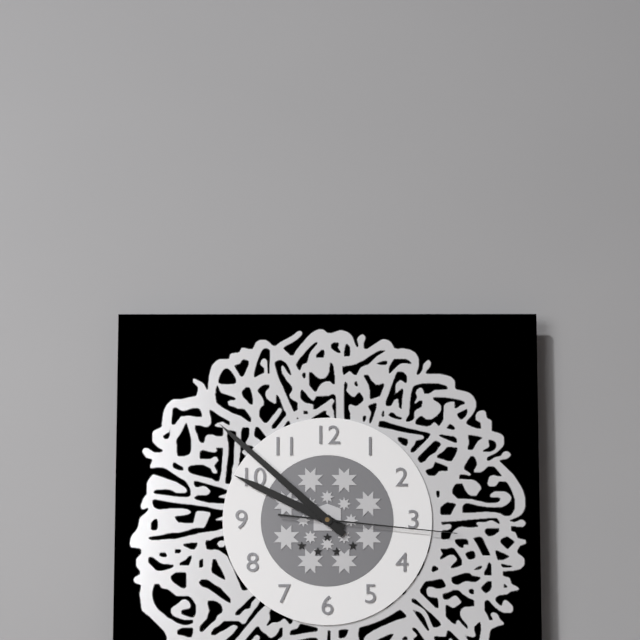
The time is 9,52,16
